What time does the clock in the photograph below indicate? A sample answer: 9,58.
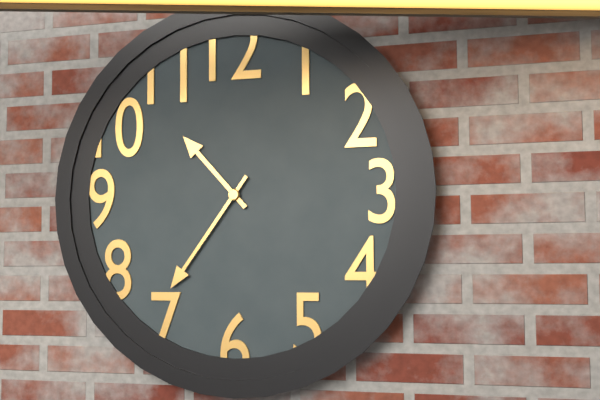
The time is 10,36
